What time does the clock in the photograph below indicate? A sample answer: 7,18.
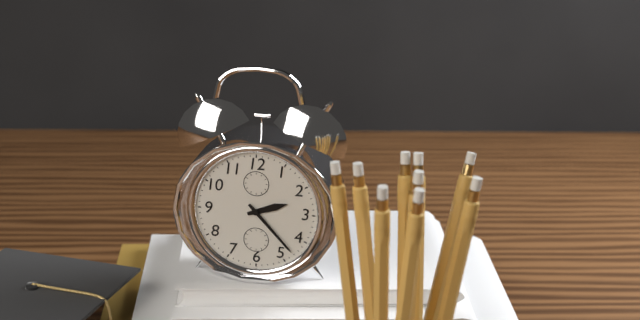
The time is 2,23
